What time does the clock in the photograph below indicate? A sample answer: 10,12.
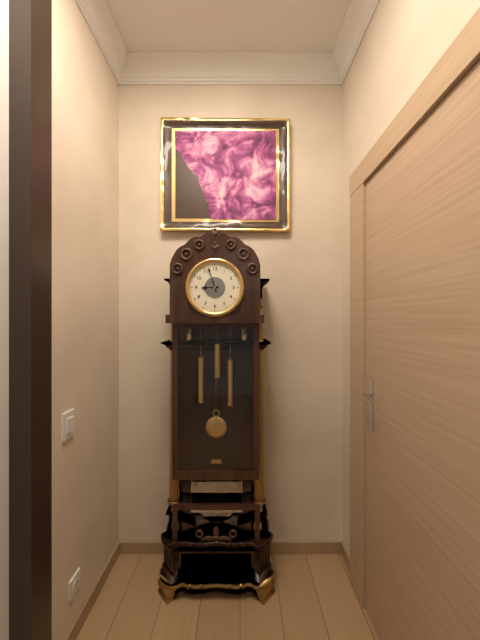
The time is 8,57
